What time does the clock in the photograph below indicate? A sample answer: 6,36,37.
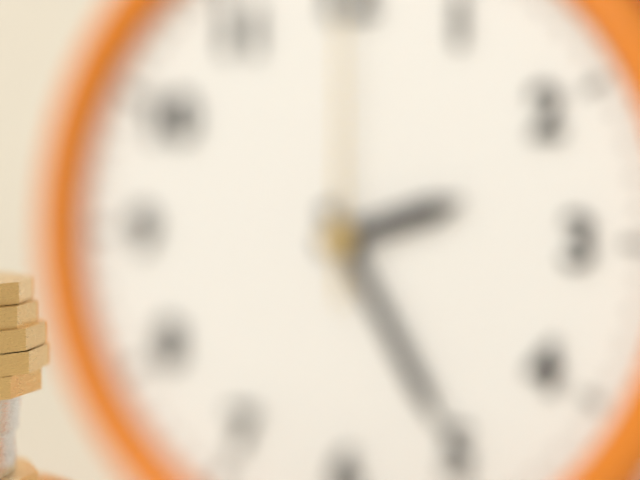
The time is 2,25,00
